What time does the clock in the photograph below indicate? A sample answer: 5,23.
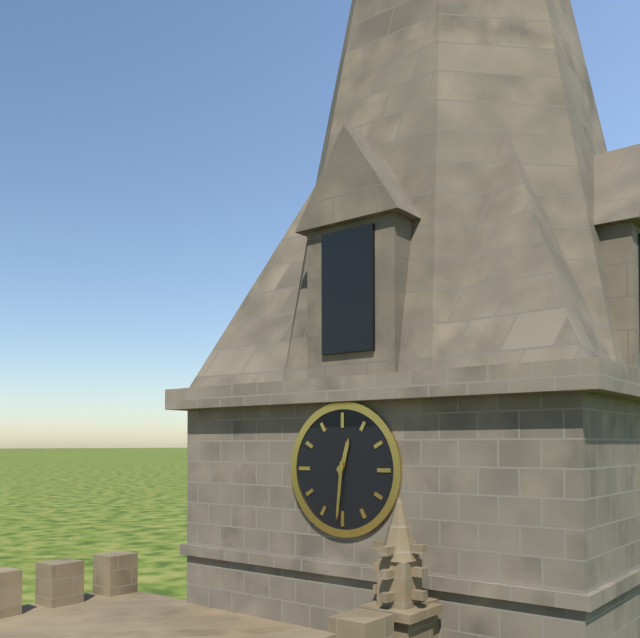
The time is 12,31
